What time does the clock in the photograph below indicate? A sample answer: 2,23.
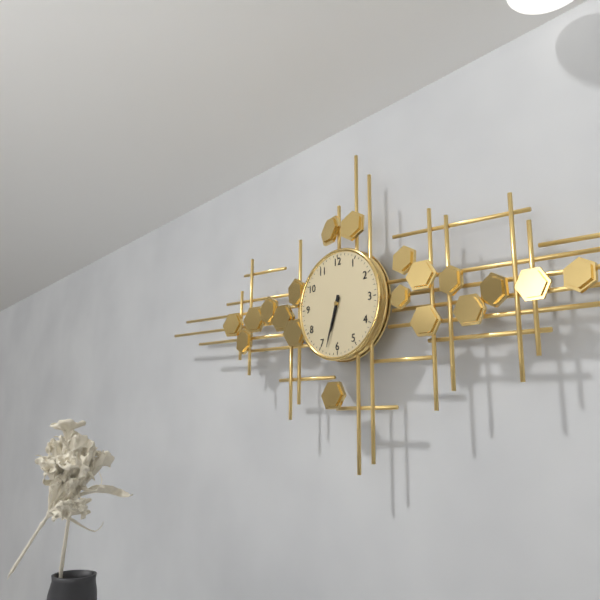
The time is 6,33
